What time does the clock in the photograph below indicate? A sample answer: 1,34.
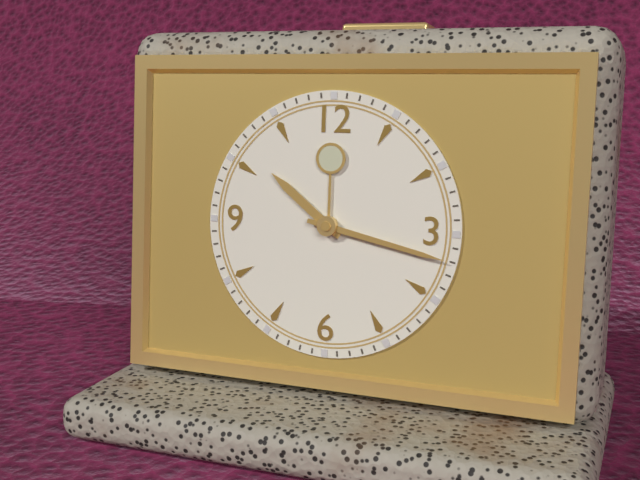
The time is 10,17
